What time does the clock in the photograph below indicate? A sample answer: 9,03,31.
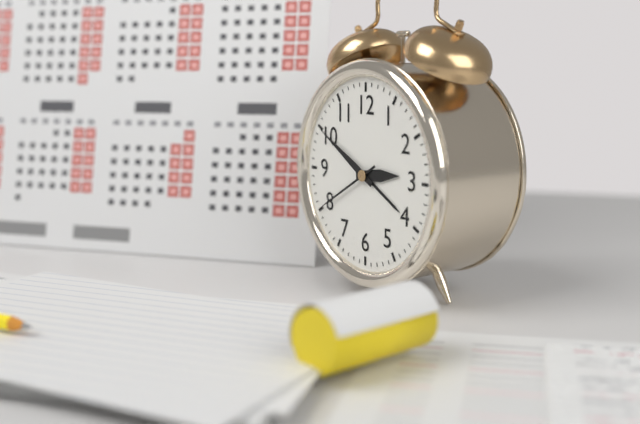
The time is 2,50,40
